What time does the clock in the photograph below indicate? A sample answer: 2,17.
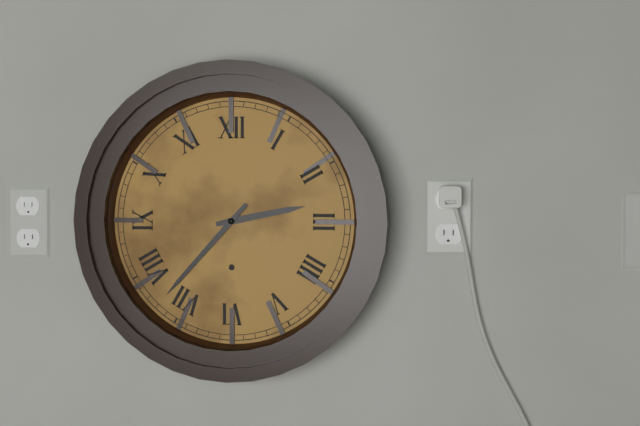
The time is 2,37
